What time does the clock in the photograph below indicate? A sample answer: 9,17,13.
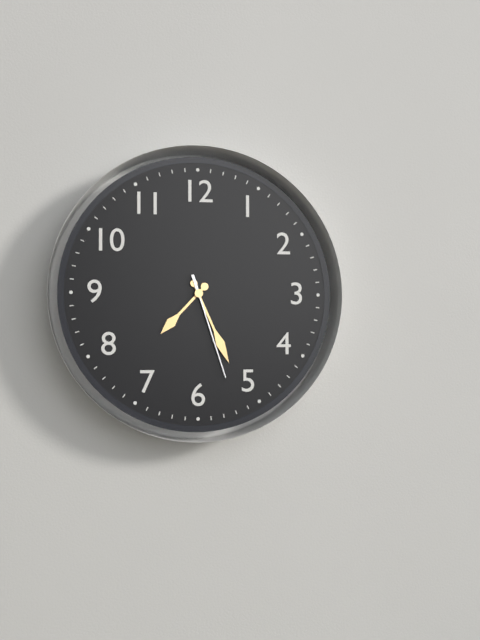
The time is 7,26,27
